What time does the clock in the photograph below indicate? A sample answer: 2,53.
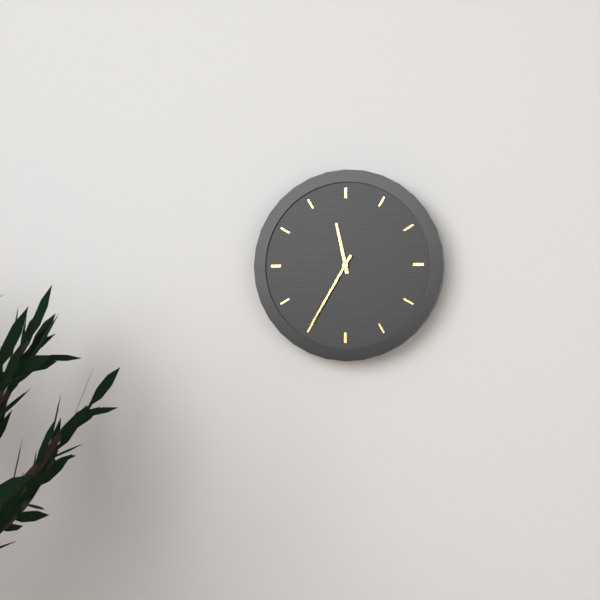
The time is 11,35
